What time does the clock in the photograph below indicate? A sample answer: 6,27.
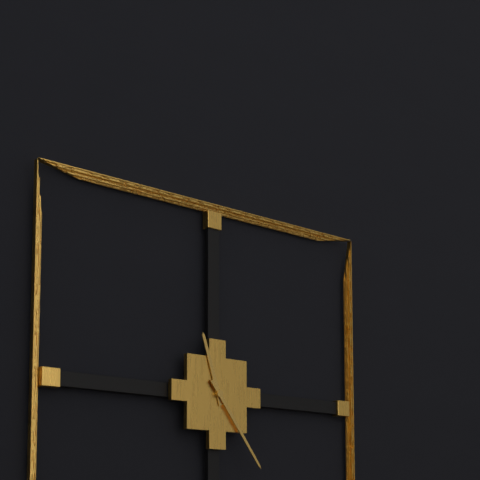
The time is 11,24
